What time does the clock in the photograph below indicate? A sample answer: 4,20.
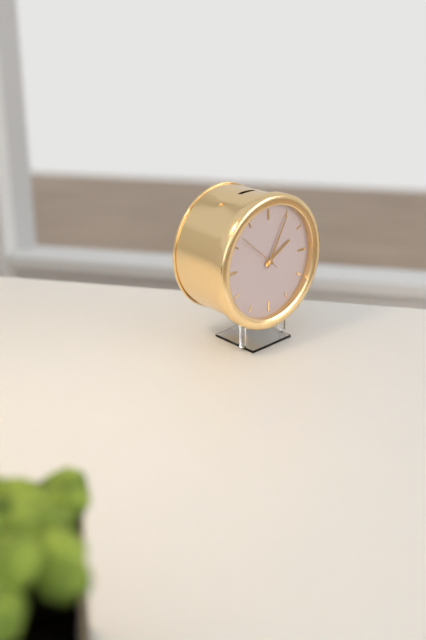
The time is 2,05
